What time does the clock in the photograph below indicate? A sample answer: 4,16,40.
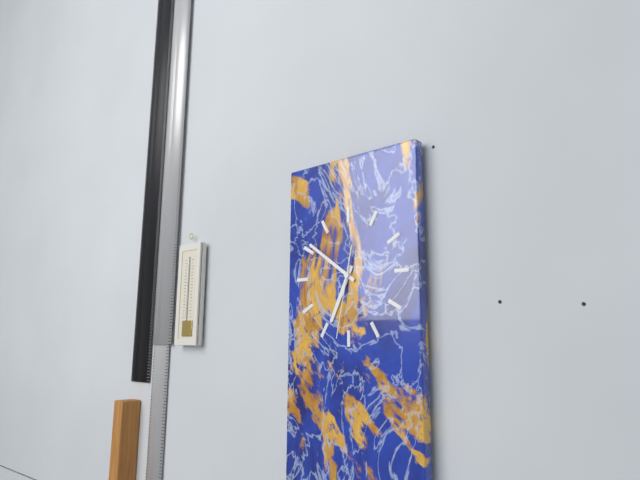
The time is 6,51,32
